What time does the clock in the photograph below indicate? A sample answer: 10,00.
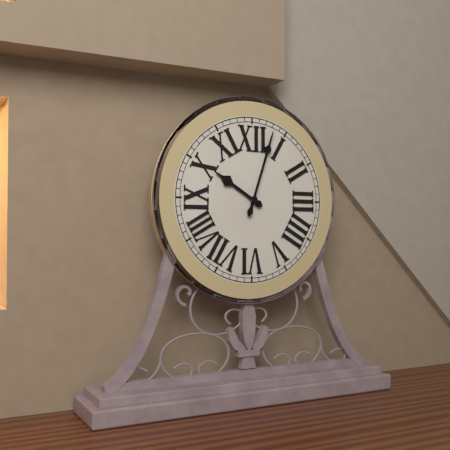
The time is 10,03
